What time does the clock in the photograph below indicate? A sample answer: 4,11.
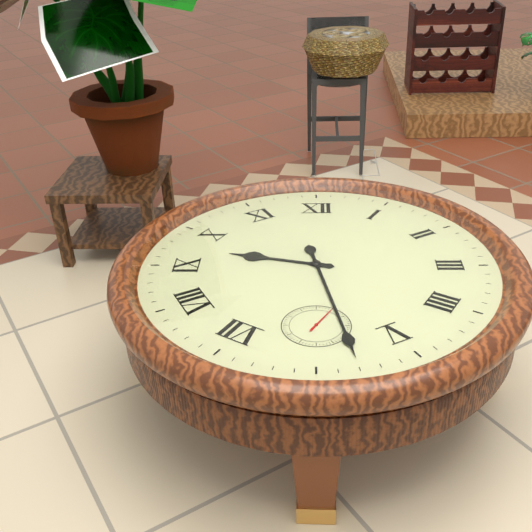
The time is 9,28
